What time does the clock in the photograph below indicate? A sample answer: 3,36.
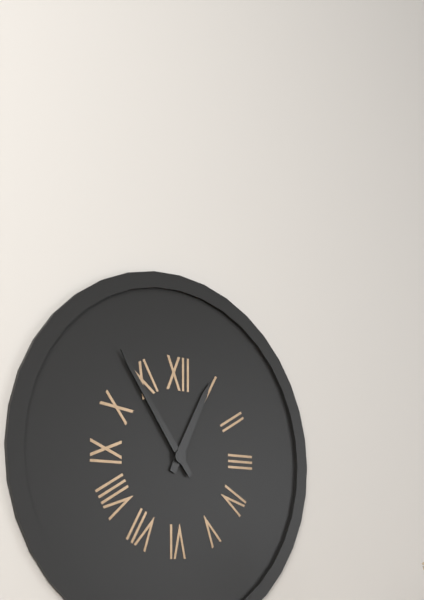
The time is 12,54
